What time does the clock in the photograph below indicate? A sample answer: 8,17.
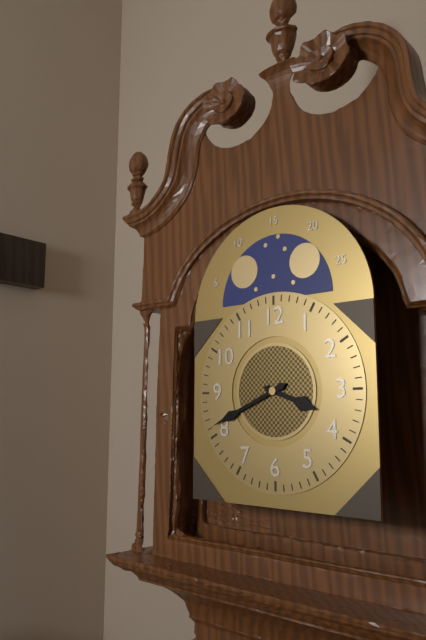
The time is 3,41
